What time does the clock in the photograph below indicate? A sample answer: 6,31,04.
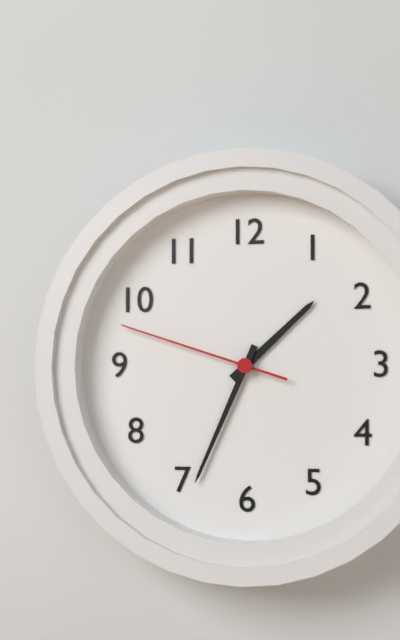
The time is 1,34,48
